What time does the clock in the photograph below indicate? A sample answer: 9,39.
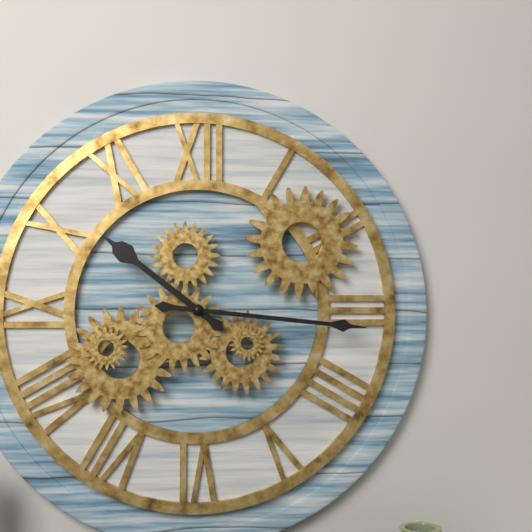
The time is 10,16
